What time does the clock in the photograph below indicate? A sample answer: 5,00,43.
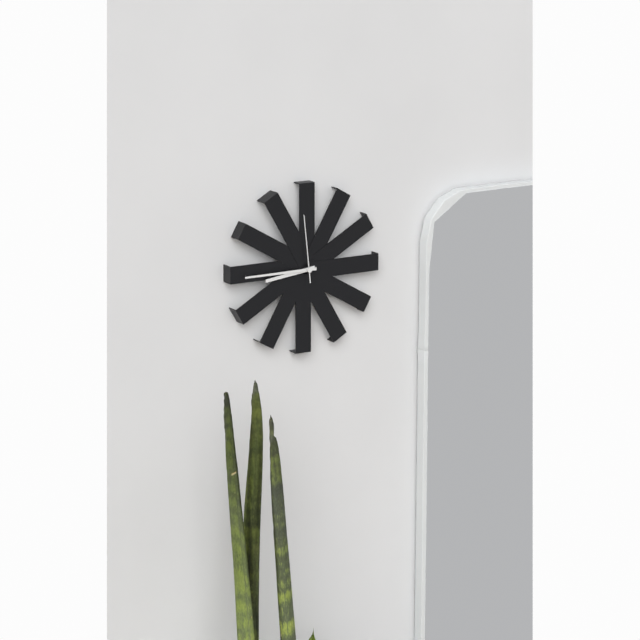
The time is 8,45,59
